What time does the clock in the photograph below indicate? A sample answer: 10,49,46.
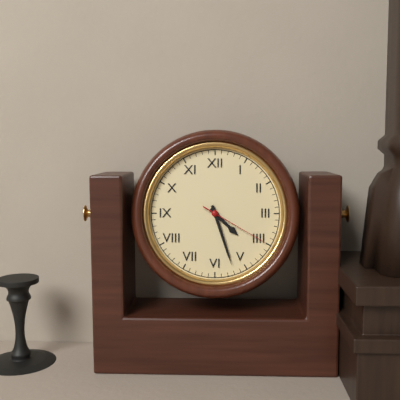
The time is 4,27,20
